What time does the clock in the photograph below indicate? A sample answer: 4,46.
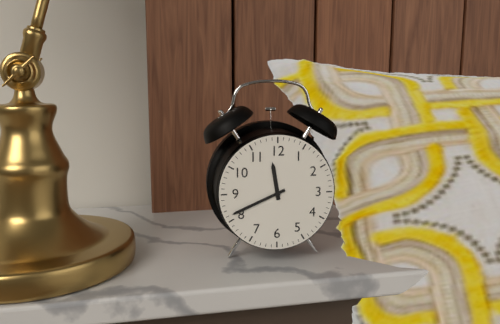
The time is 11,41
